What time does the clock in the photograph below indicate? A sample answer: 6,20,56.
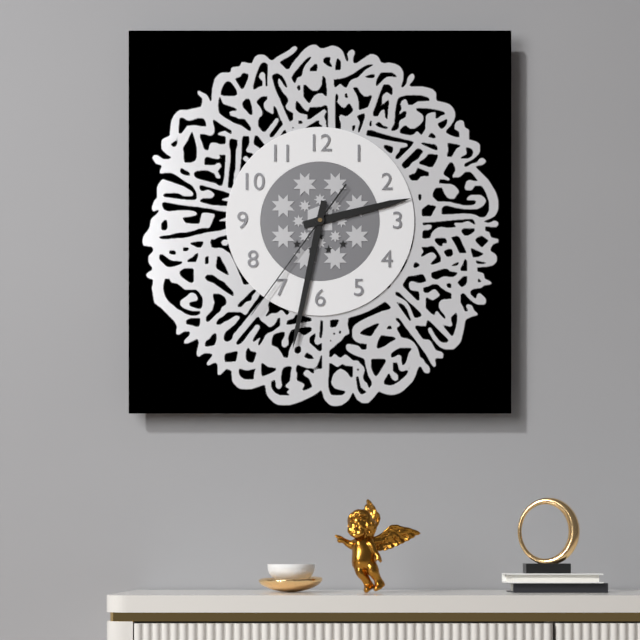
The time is 2,32,36
